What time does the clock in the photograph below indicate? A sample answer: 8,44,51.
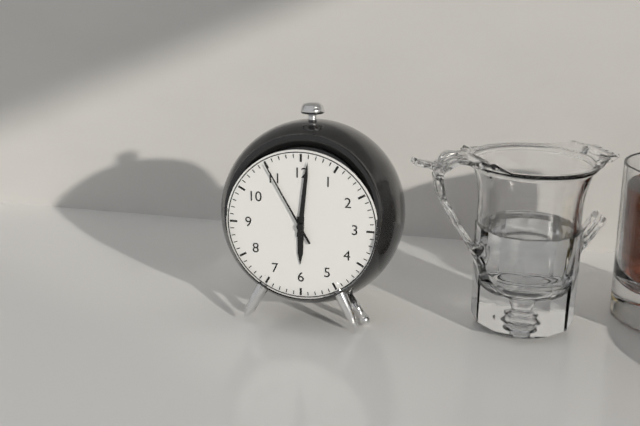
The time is 6,01,55
